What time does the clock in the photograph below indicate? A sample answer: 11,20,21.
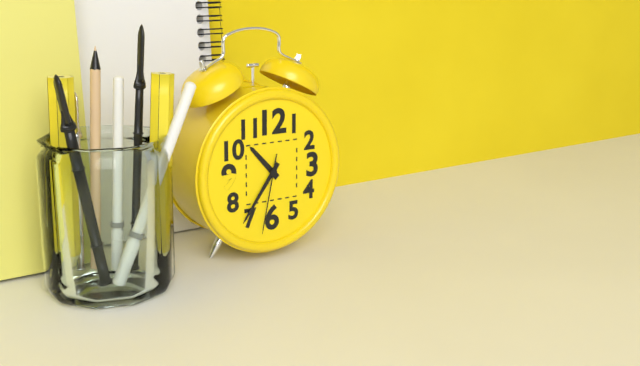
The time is 10,36,32
